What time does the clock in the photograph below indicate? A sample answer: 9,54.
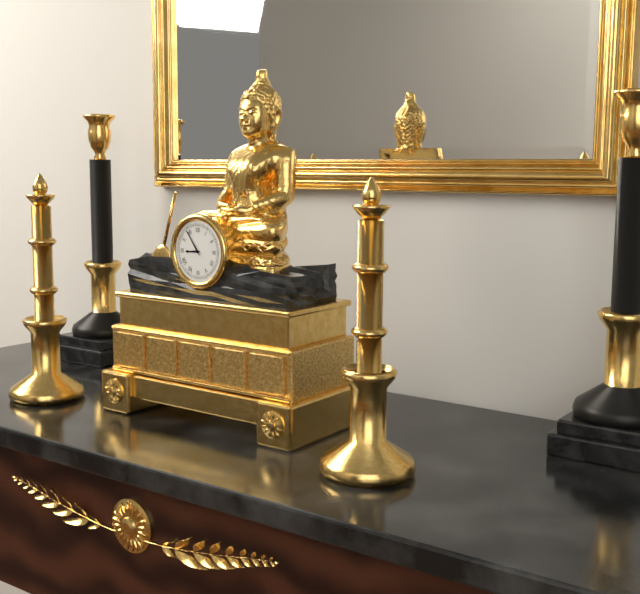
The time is 8,54
